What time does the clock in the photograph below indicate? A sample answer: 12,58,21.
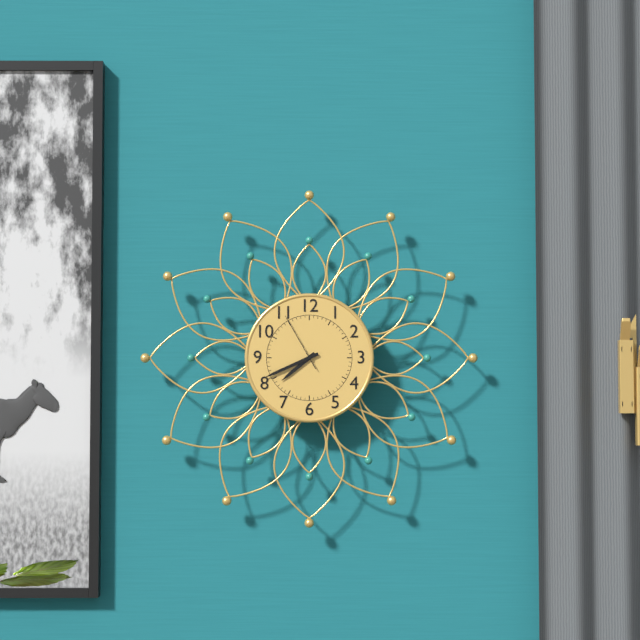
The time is 7,41,55
